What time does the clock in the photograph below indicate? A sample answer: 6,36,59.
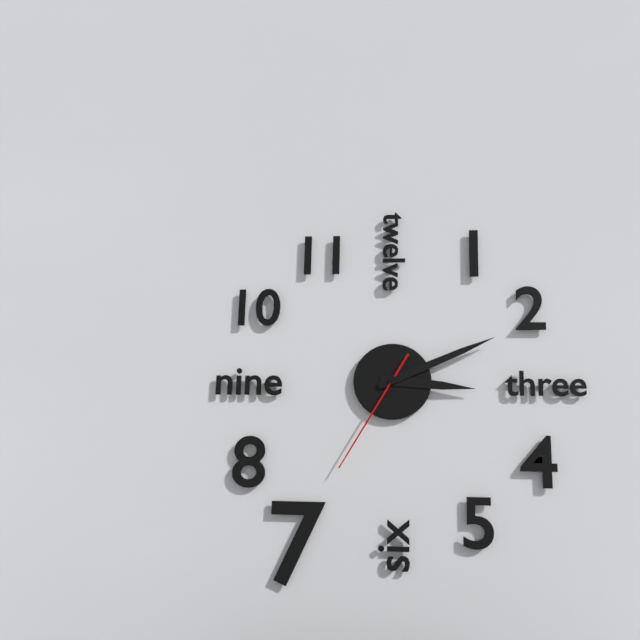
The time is 3,11,35
